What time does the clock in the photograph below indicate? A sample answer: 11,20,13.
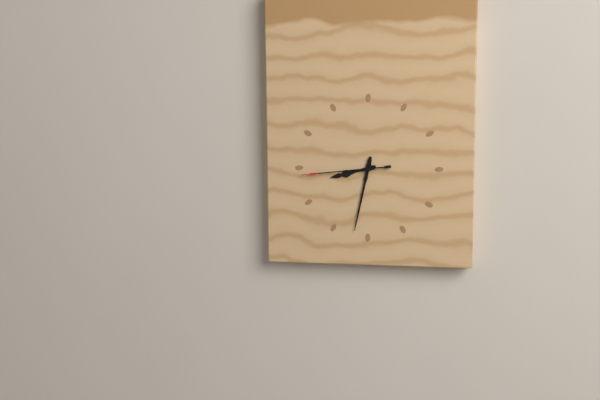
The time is 8,32,44
